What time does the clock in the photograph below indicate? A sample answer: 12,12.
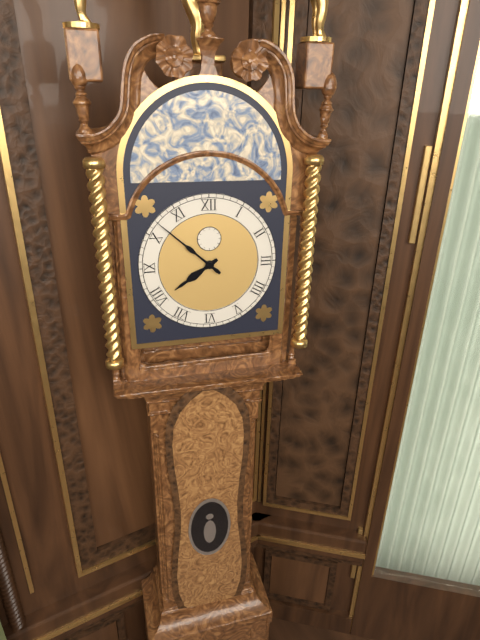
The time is 7,52
